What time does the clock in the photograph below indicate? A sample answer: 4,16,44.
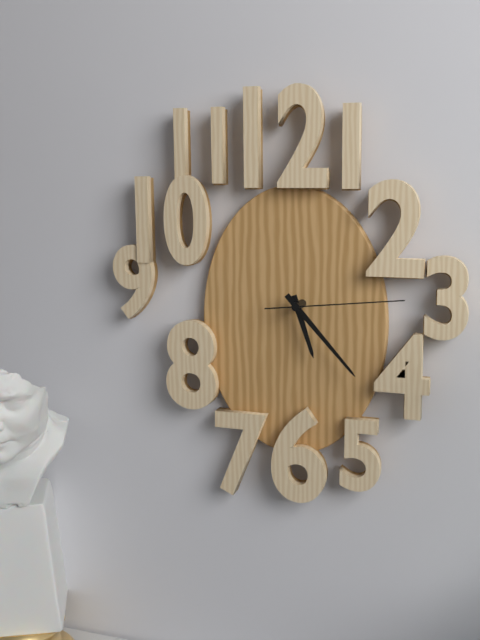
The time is 5,23,14
